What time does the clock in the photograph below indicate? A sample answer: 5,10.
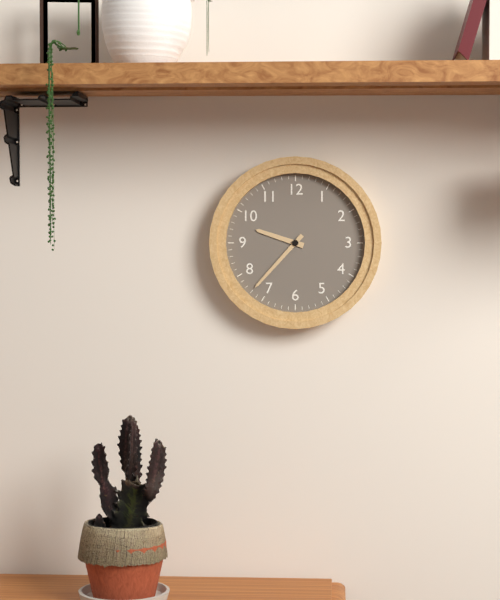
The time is 9,37
